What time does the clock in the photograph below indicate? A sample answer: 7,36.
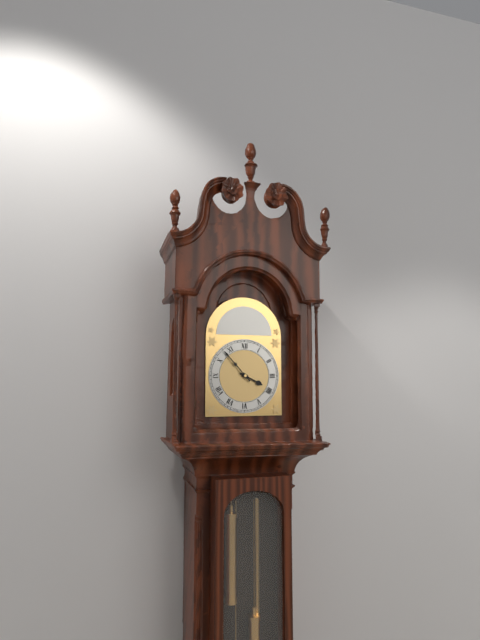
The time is 3,53
